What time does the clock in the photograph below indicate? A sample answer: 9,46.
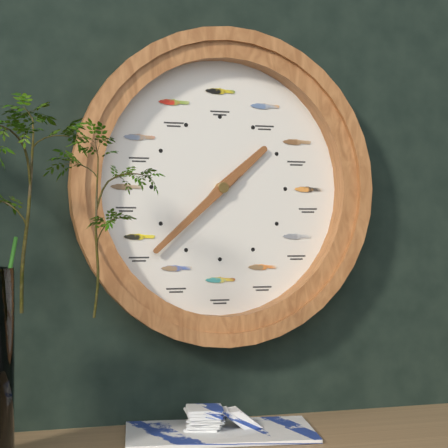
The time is 1,38
